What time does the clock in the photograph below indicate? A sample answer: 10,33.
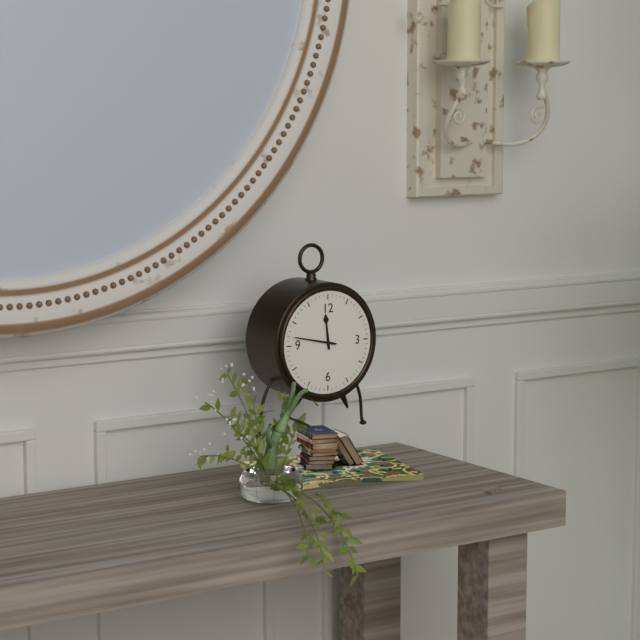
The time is 11,47
